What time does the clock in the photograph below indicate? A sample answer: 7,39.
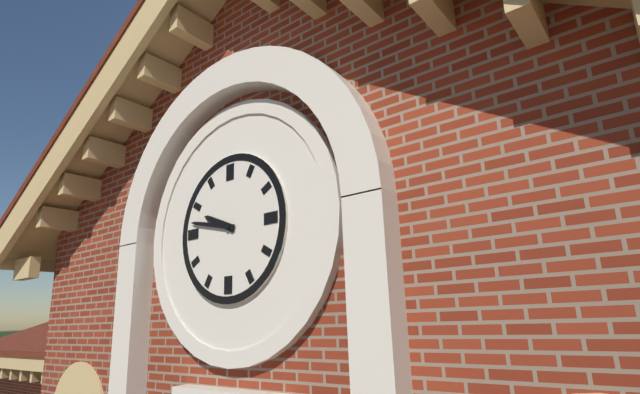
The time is 9,47
